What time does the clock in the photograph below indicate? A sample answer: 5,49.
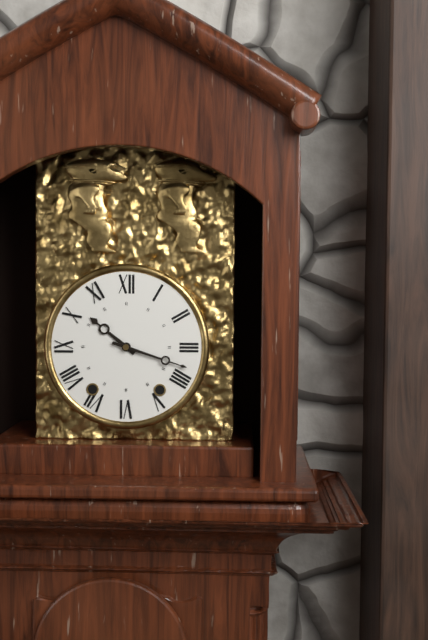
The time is 10,18
